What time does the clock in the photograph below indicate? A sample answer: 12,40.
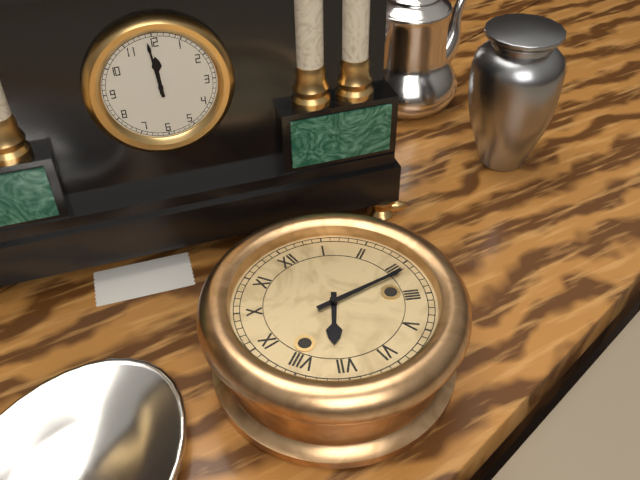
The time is 7,16
